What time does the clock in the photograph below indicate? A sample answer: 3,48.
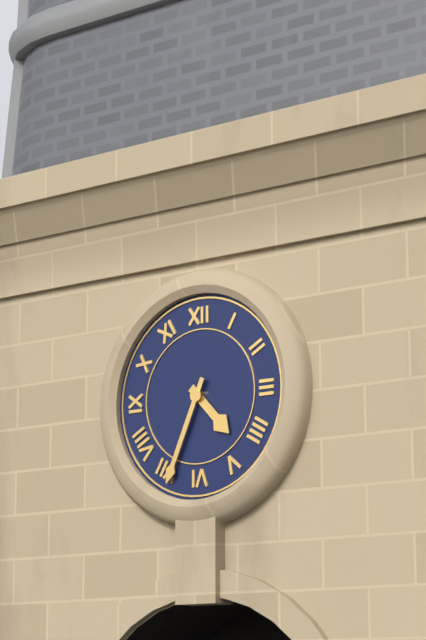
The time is 4,34
